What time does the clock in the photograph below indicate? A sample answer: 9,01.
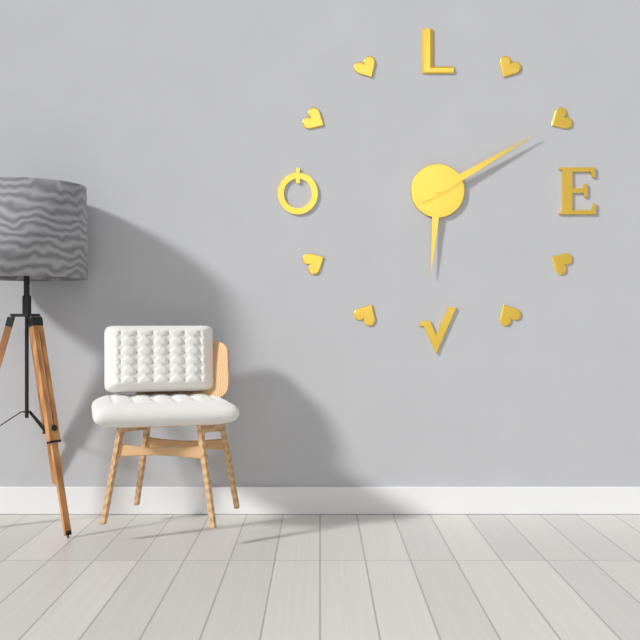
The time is 6,10
